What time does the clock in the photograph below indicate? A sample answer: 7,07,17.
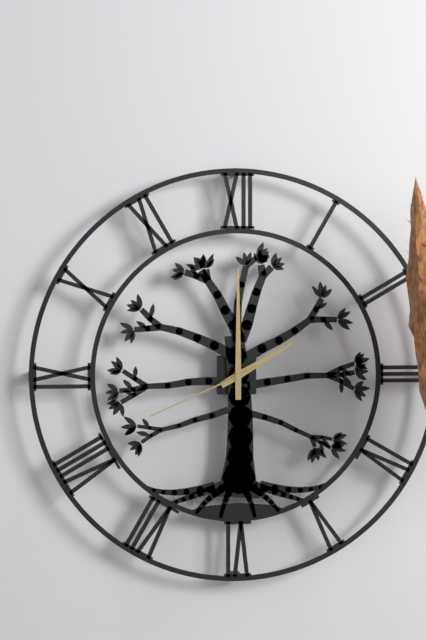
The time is 2,00,41
